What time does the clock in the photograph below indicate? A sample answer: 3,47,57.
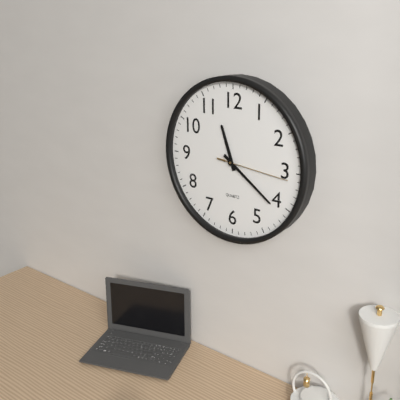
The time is 11,21,16
